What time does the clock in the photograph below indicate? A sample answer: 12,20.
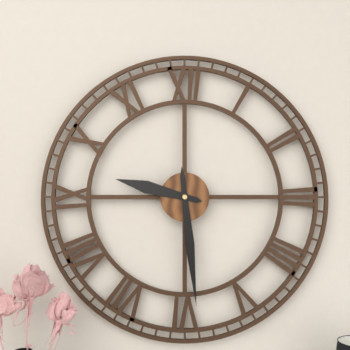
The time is 9,29
